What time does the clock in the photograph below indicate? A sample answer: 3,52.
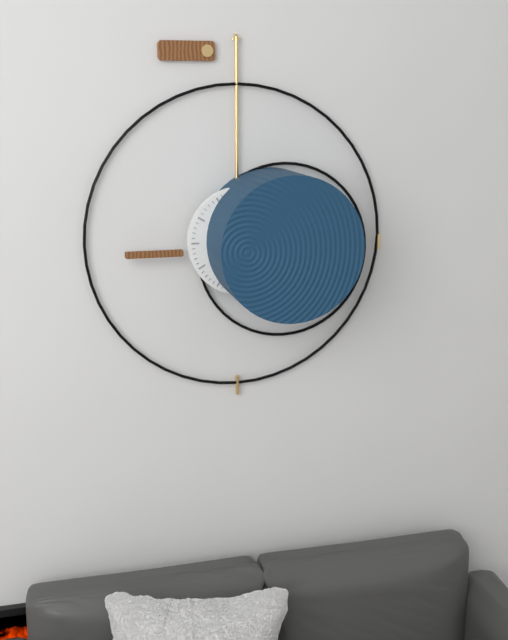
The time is 5,20
